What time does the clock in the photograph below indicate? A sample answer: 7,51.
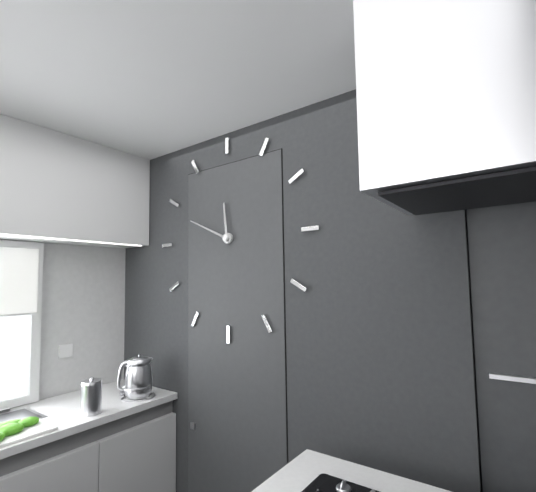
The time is 11,49
